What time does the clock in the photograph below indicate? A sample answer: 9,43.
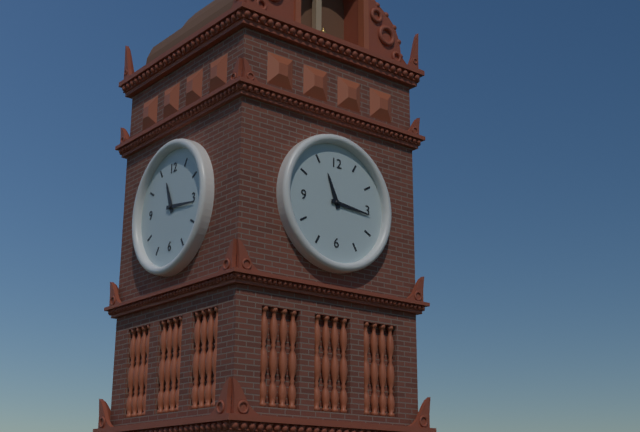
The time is 11,16
